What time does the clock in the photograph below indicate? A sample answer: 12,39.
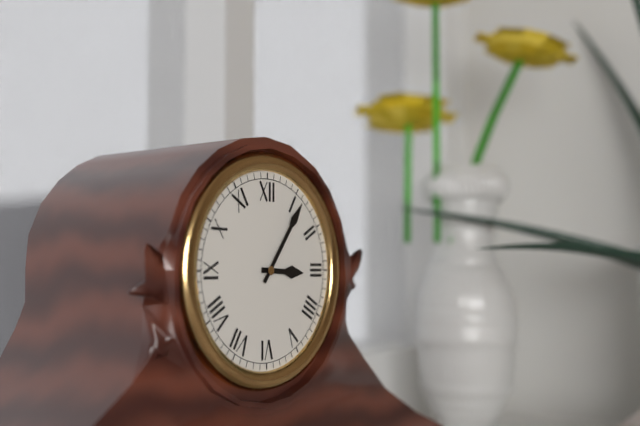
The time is 3,06
